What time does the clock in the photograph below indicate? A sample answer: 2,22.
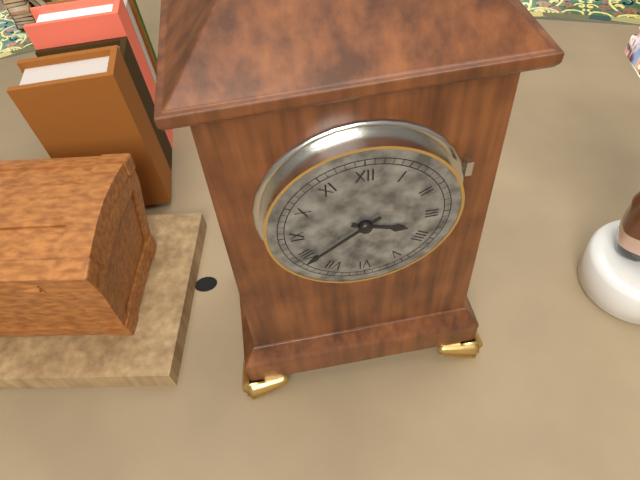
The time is 3,39
